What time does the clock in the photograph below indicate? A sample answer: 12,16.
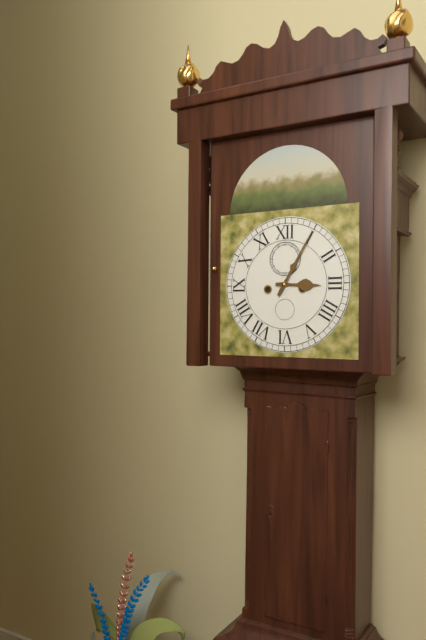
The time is 3,05
